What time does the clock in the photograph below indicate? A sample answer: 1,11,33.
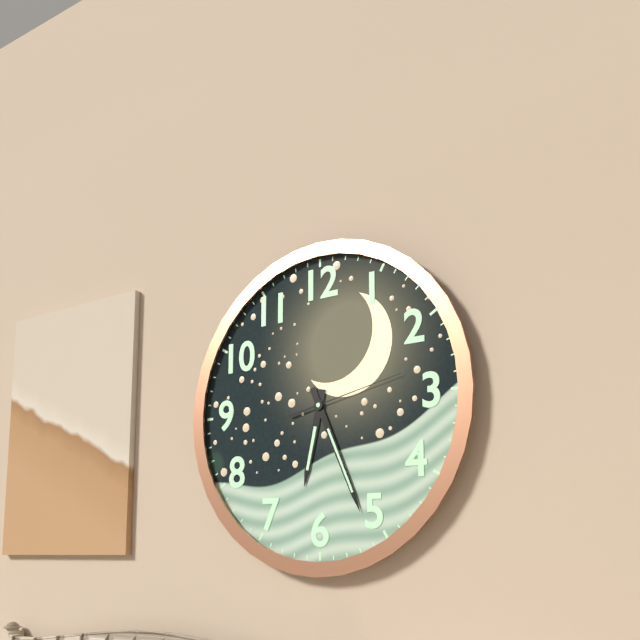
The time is 6,26,13
